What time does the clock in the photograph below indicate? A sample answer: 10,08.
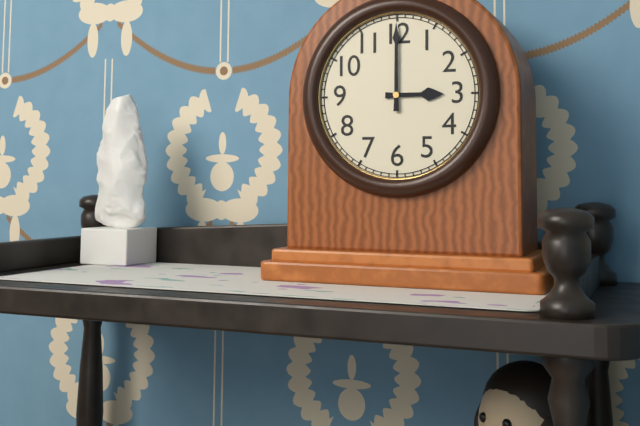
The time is 3,00
